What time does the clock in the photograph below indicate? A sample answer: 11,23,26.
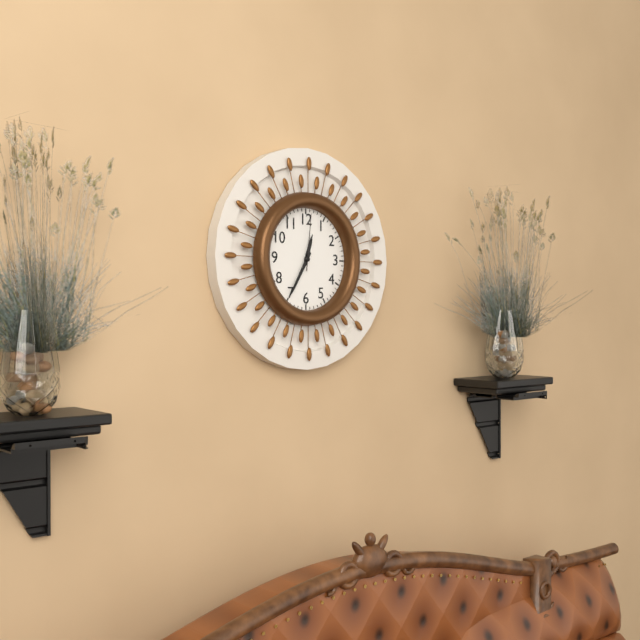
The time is 12,35,01
